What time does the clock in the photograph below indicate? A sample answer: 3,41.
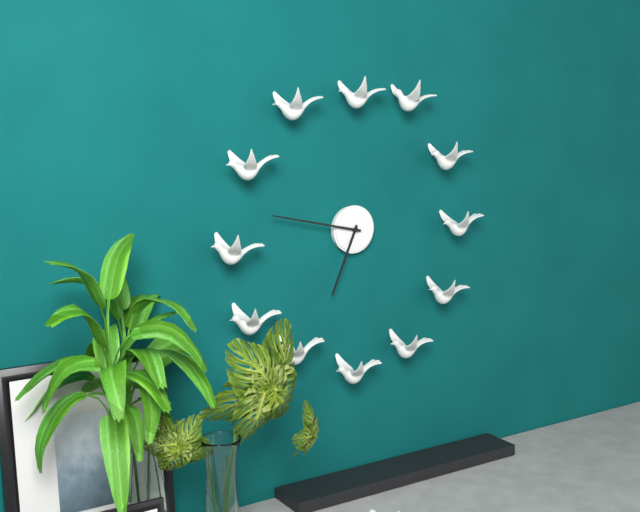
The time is 6,47
